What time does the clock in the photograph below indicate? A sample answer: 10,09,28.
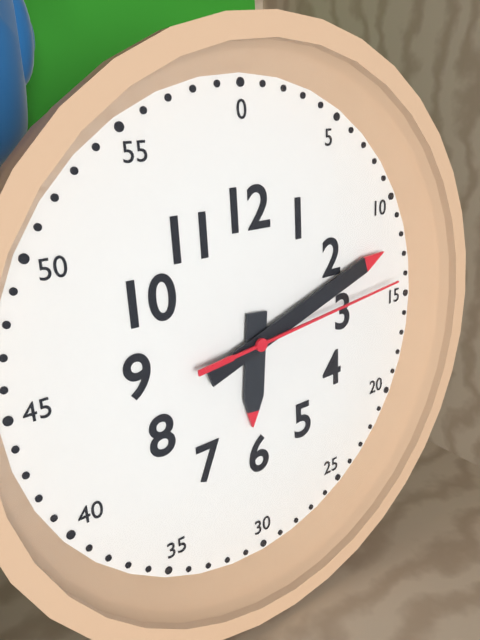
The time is 6,12,14
